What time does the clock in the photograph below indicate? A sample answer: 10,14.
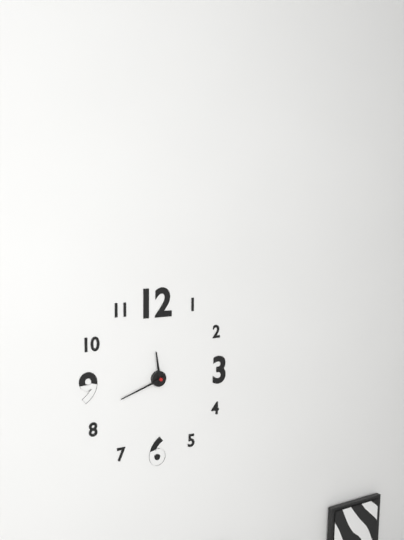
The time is 11,42
